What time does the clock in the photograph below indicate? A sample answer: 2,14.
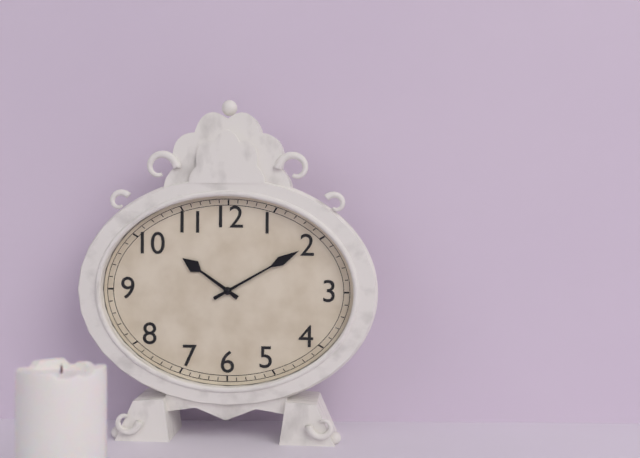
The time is 10,10
